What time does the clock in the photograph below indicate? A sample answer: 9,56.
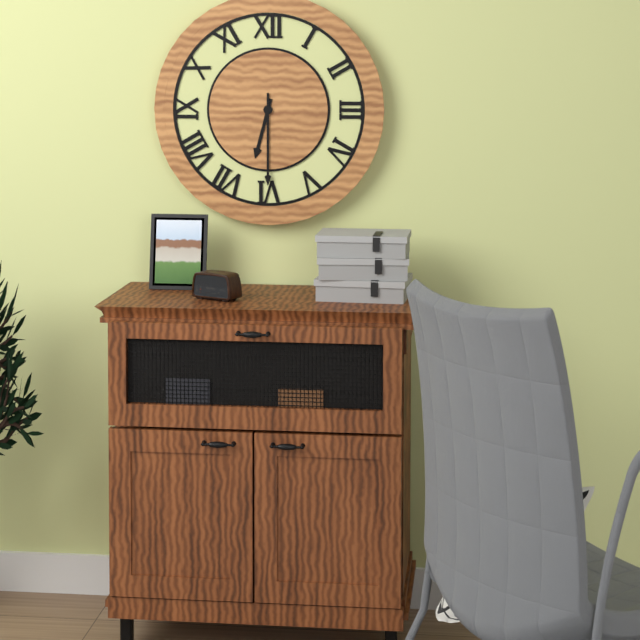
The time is 6,30
